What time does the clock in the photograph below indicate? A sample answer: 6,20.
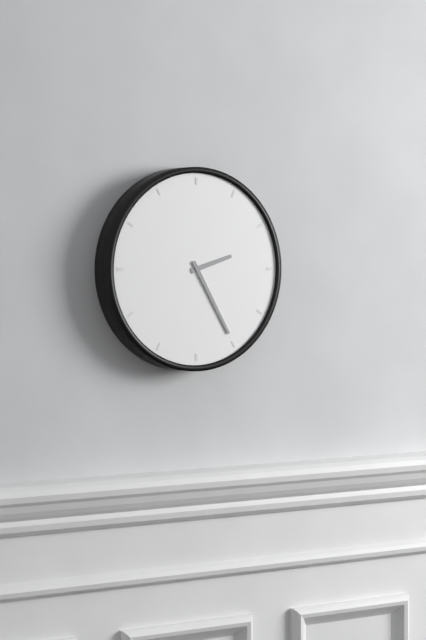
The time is 2,25
